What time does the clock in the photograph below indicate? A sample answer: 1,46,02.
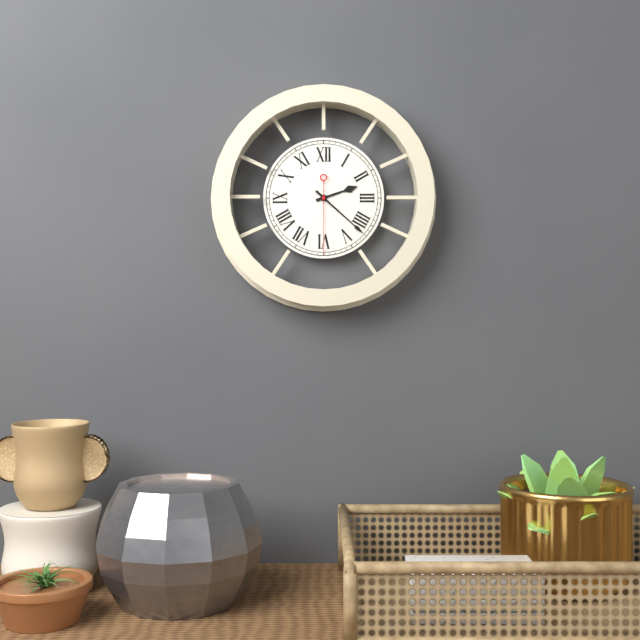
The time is 2,22,30
